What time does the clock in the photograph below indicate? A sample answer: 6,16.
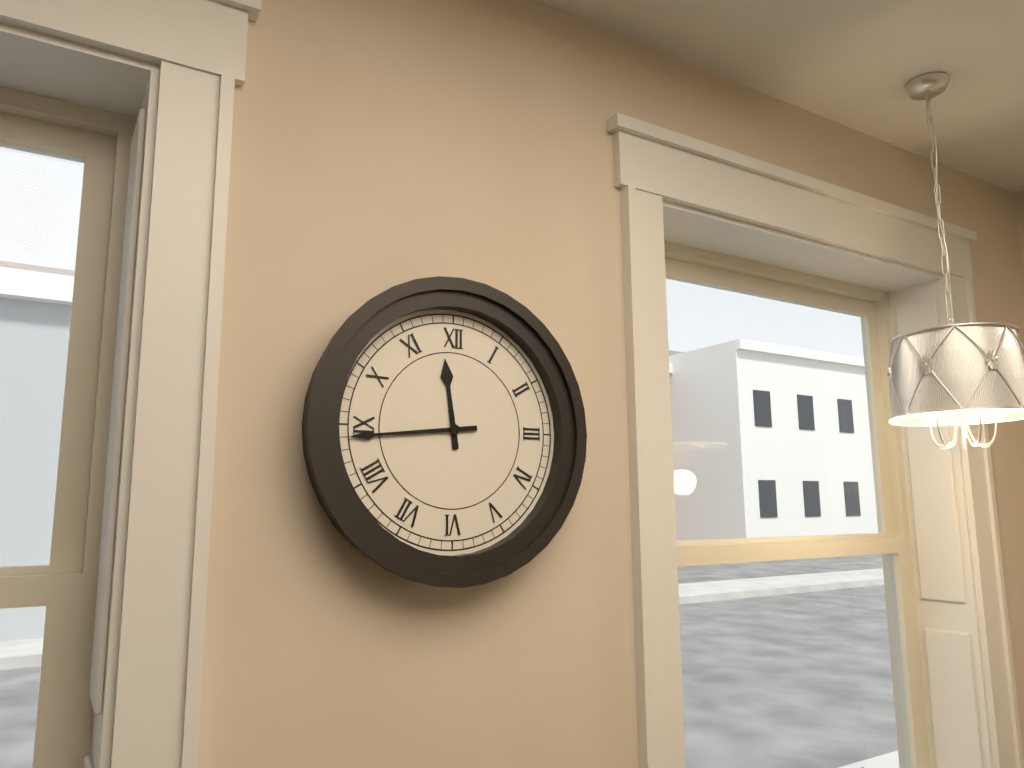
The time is 11,44
